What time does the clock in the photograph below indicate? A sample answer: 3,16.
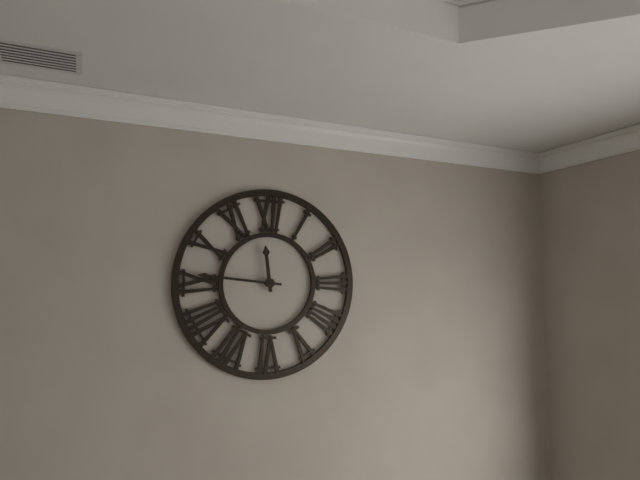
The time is 11,46
